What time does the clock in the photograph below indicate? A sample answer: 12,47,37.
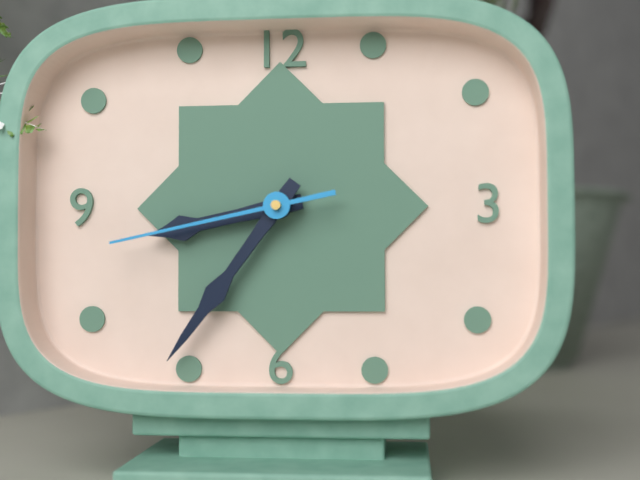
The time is 8,36,43
